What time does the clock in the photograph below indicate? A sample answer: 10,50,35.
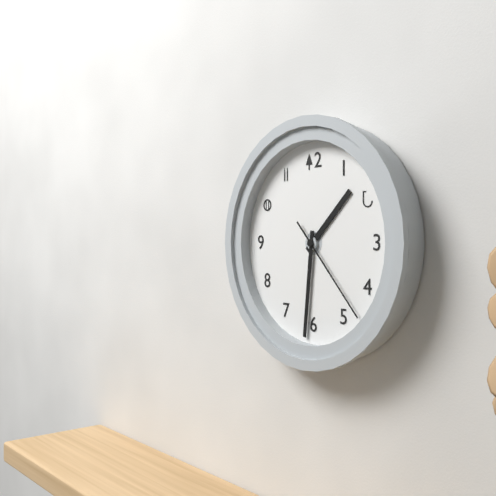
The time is 1,31,23
